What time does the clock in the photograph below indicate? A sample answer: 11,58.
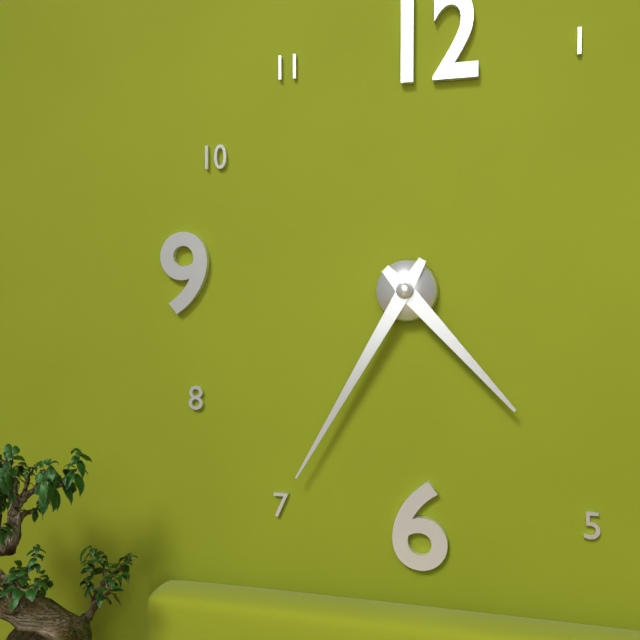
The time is 4,35
